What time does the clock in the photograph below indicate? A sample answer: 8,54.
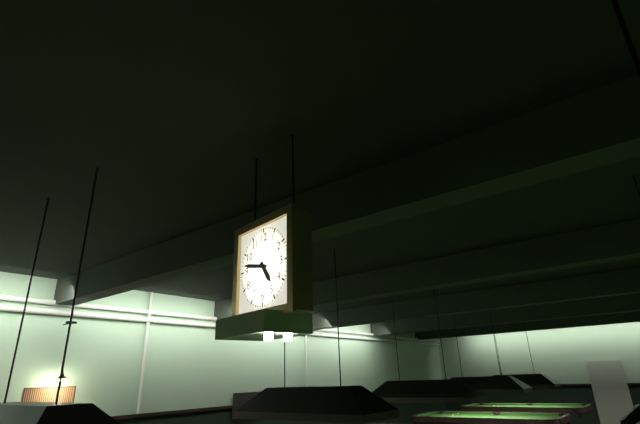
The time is 4,47
